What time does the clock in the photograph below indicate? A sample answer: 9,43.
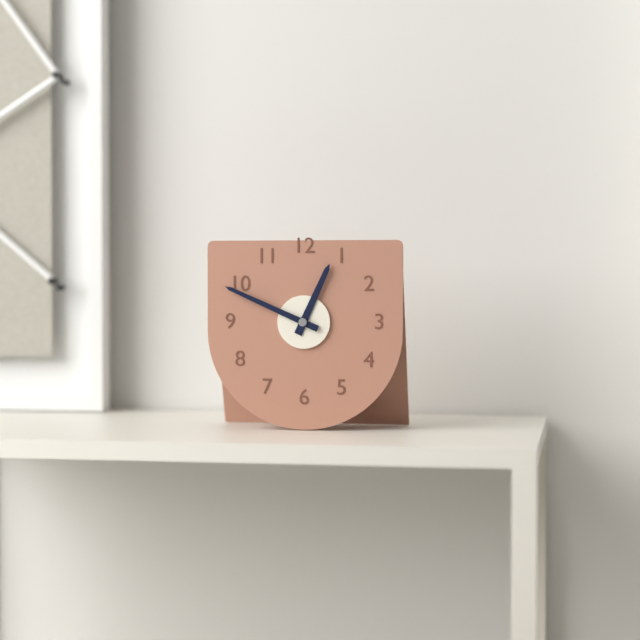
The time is 12,49
